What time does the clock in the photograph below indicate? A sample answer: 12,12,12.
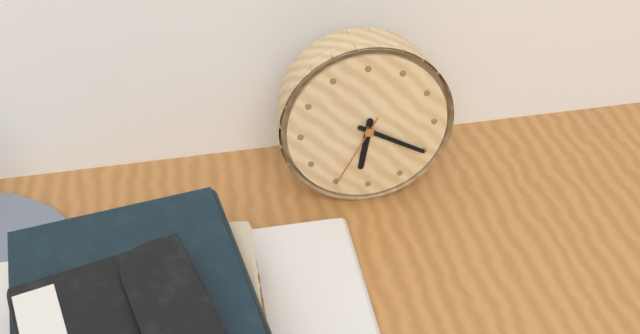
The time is 6,20,35
